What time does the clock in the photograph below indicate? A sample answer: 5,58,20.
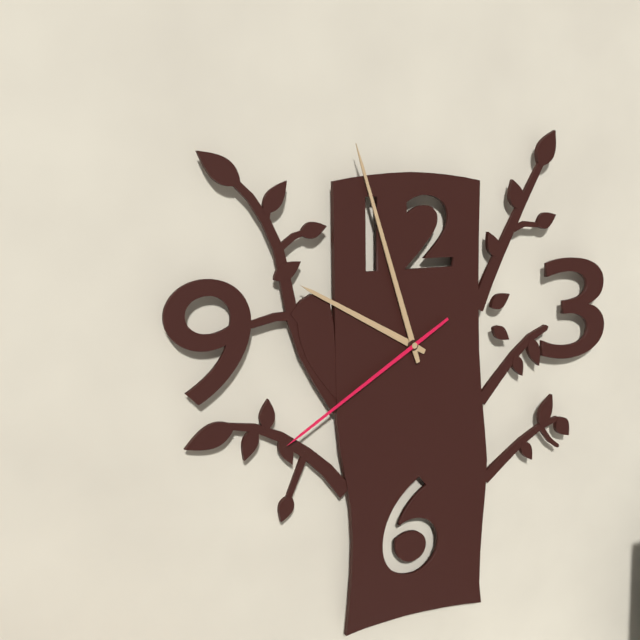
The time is 9,57,40
